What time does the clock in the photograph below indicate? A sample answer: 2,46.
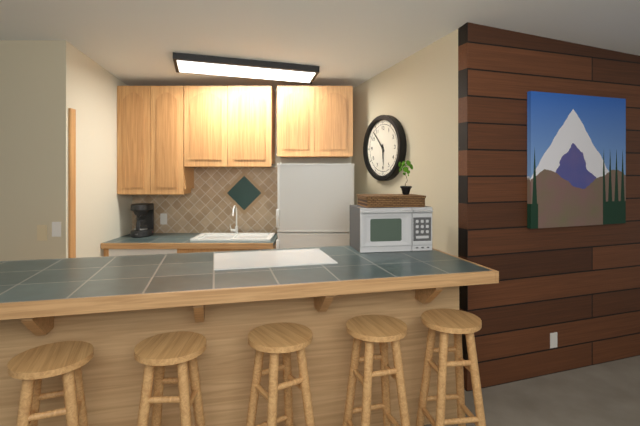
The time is 5,53
